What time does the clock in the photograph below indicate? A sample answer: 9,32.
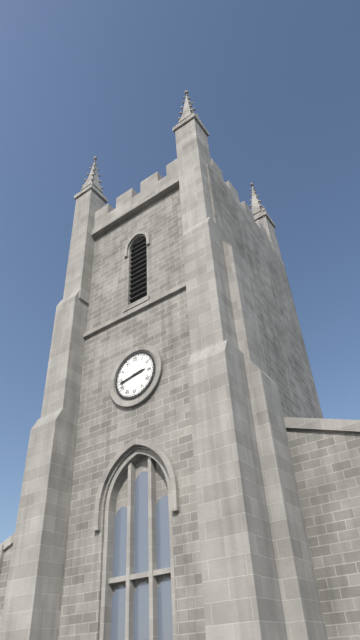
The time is 2,43
